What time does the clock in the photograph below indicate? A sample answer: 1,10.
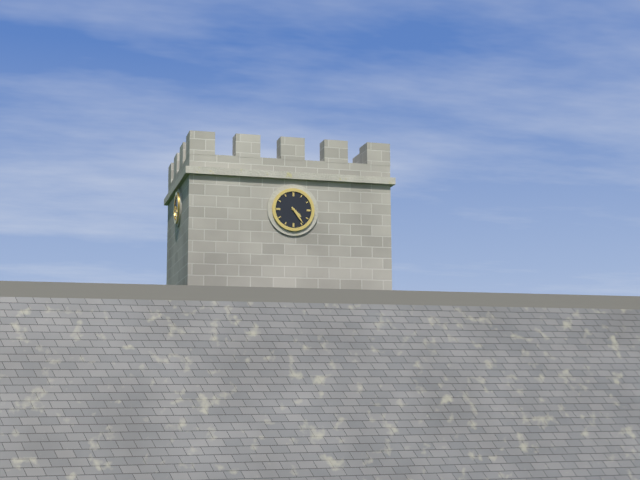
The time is 4,24
